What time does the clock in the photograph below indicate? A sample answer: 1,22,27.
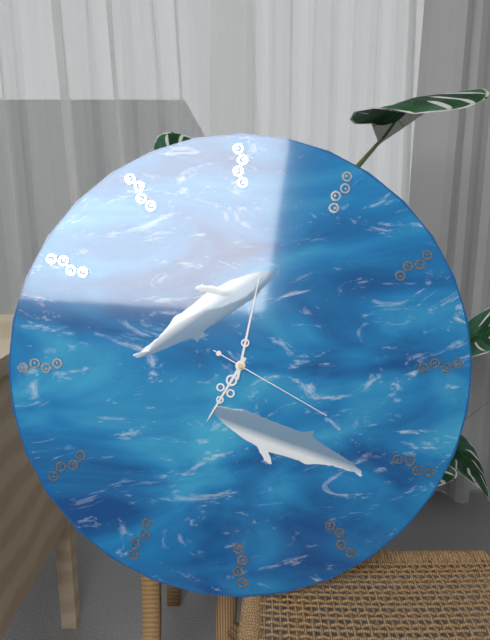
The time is 7,02,20
